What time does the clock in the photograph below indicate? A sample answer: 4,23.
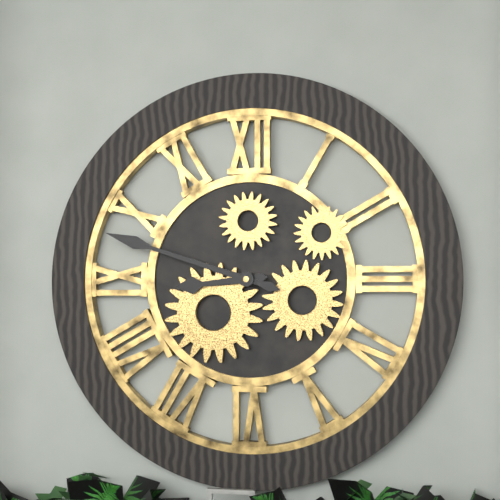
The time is 8,48
